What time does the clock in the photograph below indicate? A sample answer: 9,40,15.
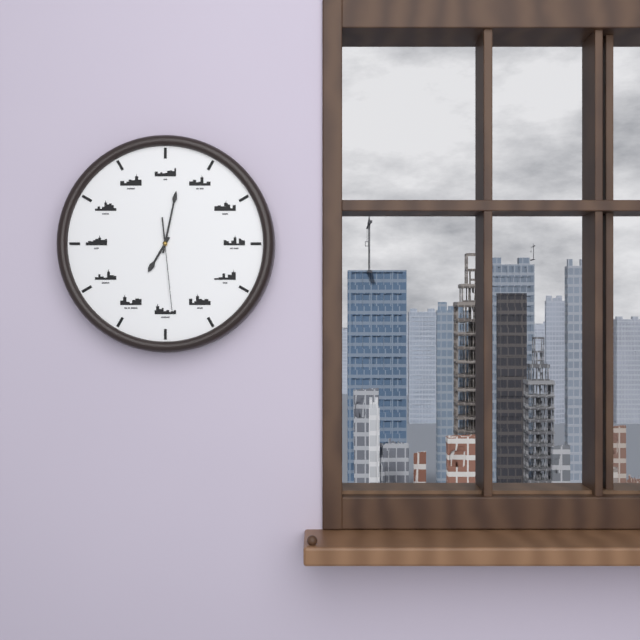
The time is 7,02,29
